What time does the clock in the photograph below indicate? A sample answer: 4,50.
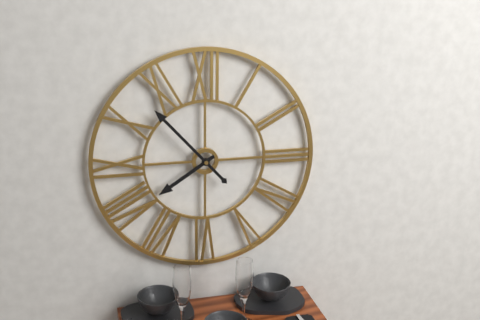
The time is 7,53
